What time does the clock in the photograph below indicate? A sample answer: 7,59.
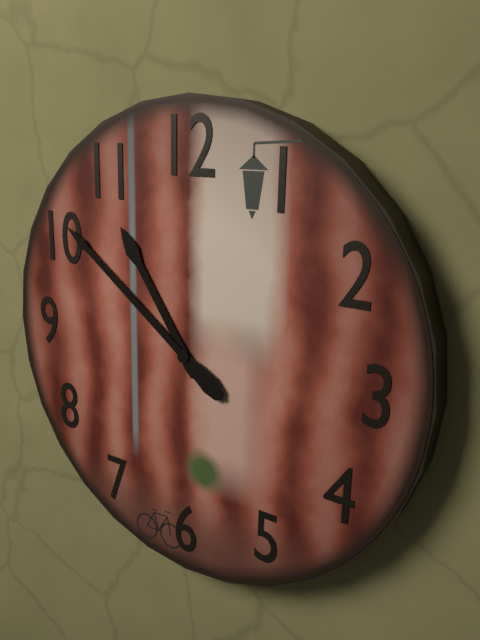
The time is 10,51
